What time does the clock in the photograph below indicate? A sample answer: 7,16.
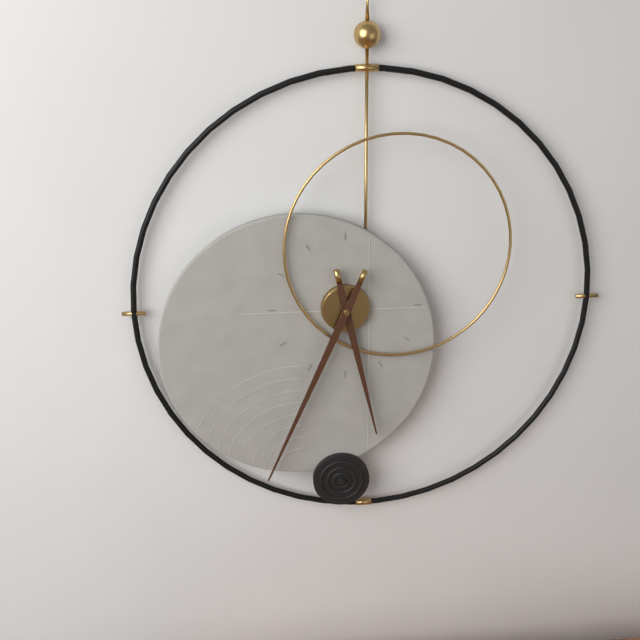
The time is 5,34
